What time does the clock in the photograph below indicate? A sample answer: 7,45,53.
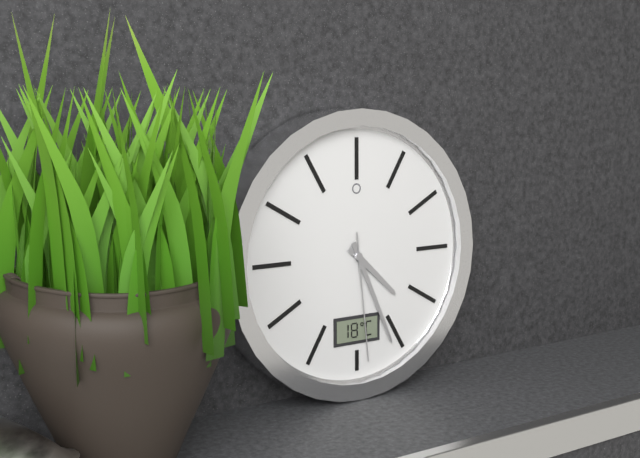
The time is 4,26,29
